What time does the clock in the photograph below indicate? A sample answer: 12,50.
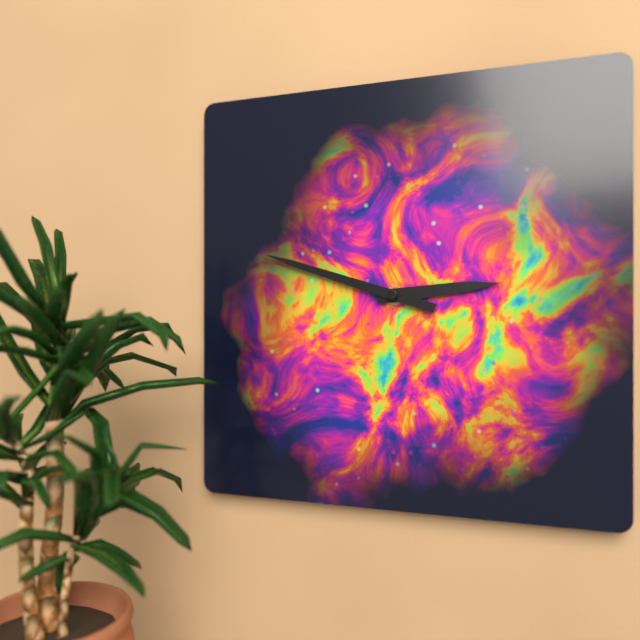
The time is 2,48
